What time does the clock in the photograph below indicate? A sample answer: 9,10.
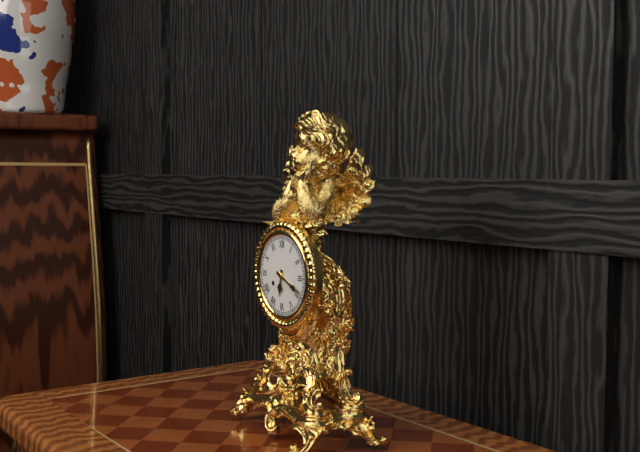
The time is 6,19
